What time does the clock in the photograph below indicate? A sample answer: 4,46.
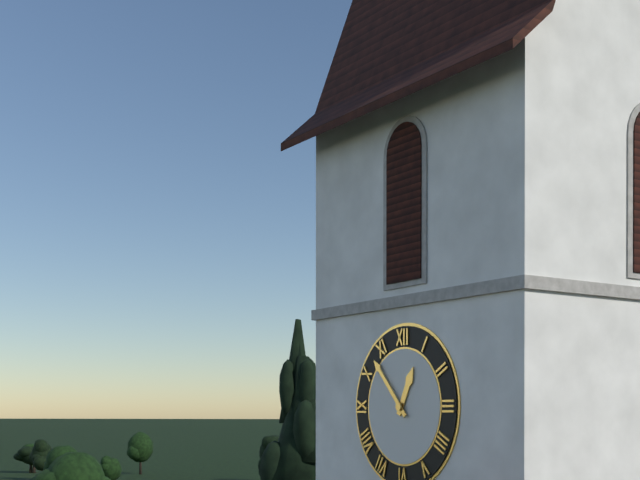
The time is 12,53
